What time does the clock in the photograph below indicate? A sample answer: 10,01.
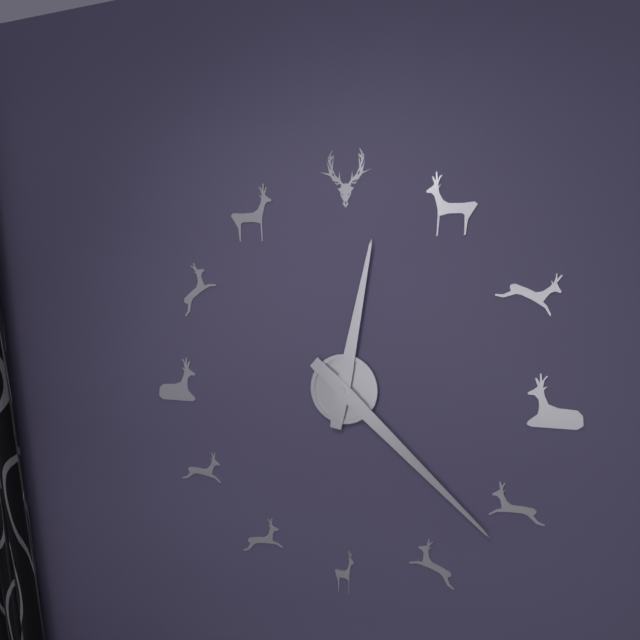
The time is 12,22
